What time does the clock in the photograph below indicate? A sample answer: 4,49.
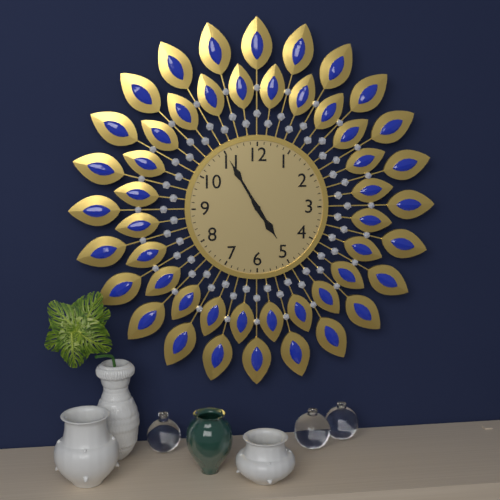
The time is 4,55
